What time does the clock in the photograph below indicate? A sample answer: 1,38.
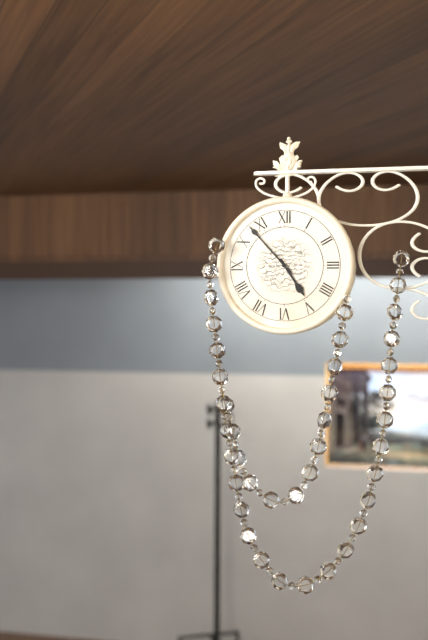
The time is 4,53
